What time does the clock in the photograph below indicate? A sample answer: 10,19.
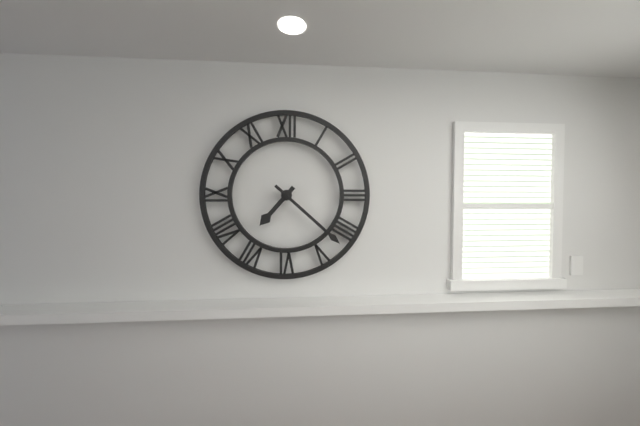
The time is 7,22
